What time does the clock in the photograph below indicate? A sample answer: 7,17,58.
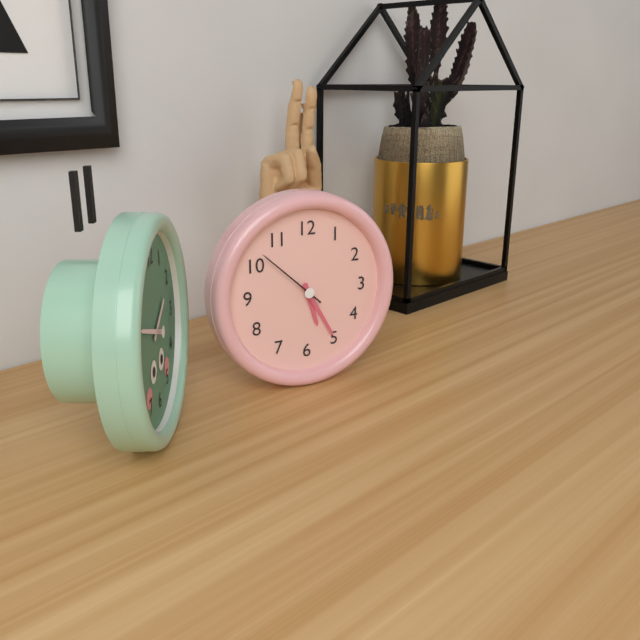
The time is 5,25,52
